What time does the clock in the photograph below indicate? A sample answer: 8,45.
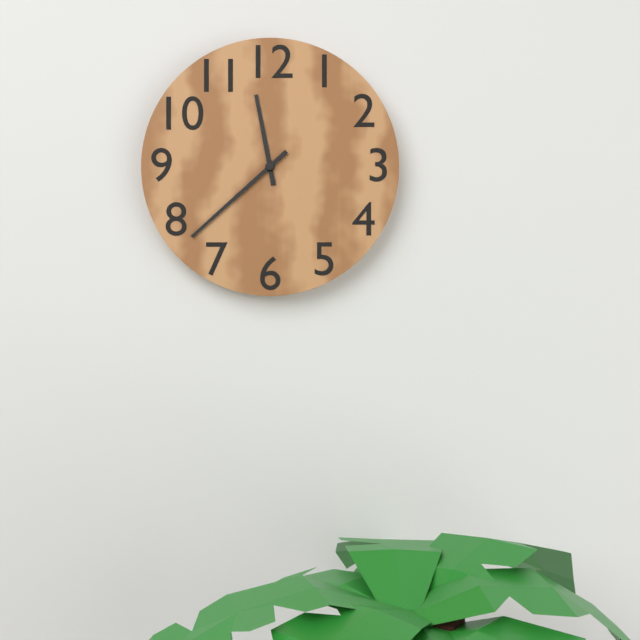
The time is 11,38
